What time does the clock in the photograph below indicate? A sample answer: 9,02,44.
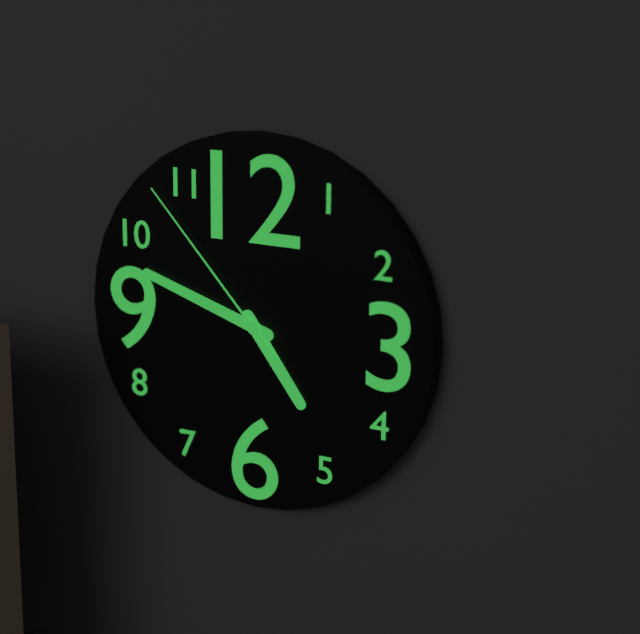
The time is 4,48,53
